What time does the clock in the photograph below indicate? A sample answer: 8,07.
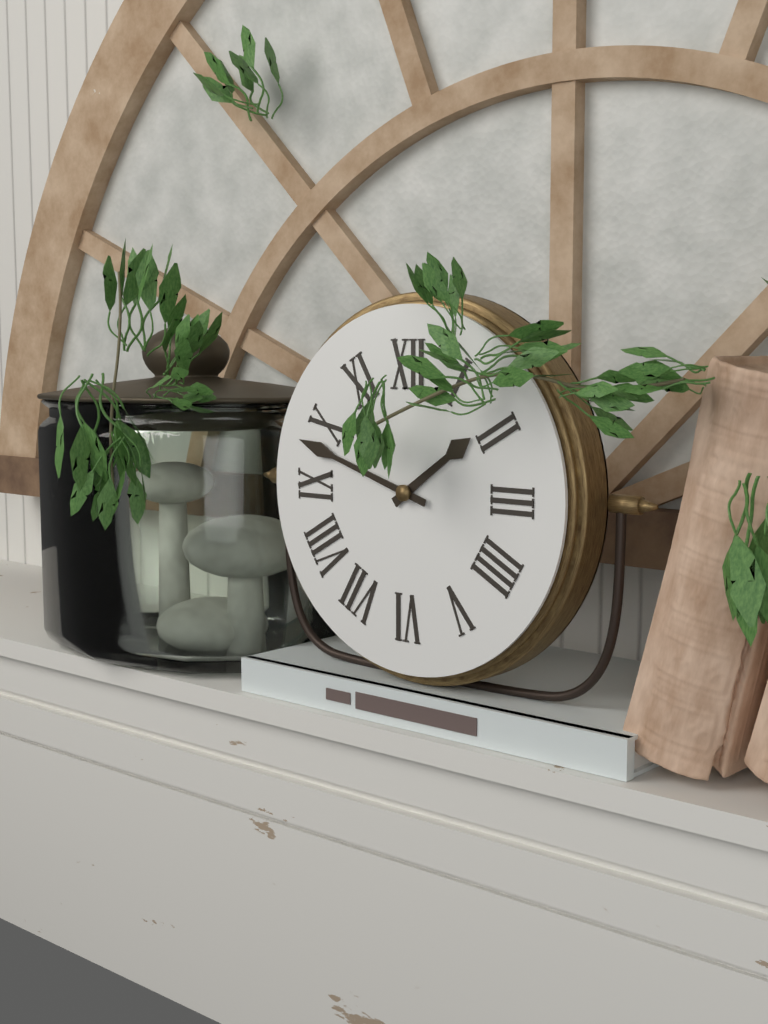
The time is 1,48
